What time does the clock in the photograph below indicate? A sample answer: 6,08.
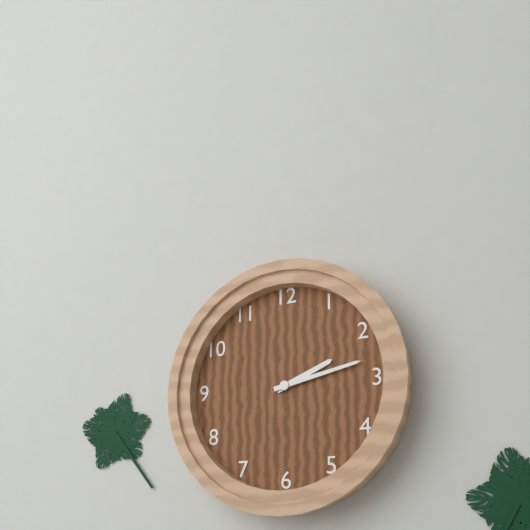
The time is 2,13
